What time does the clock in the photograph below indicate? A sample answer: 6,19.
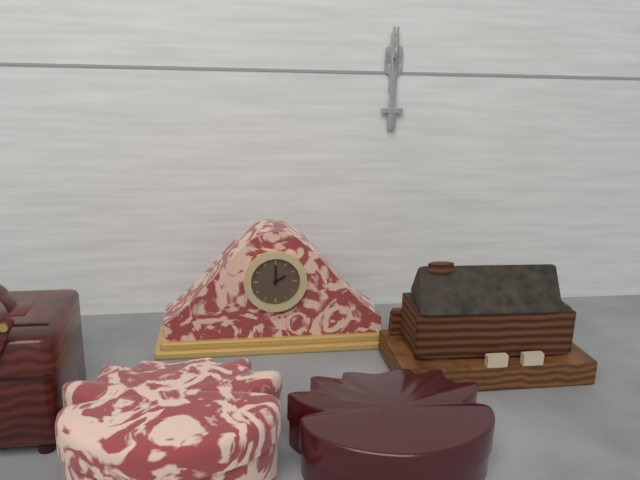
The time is 2,00
